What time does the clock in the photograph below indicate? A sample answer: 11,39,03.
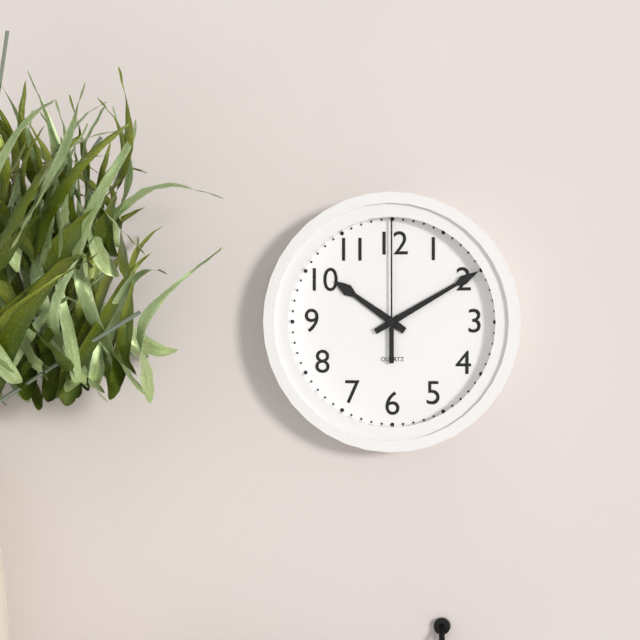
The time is 10,10,00
